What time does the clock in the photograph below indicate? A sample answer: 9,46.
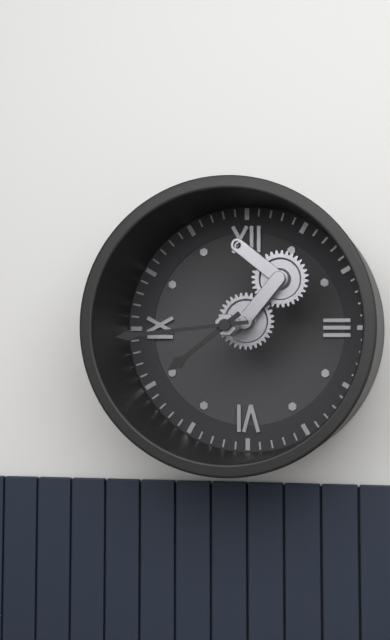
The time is 7,44
